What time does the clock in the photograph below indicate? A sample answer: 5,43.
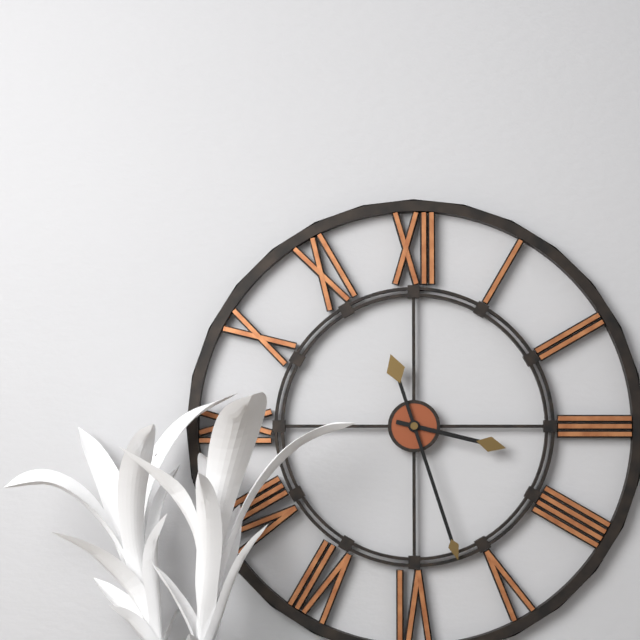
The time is 3,27
